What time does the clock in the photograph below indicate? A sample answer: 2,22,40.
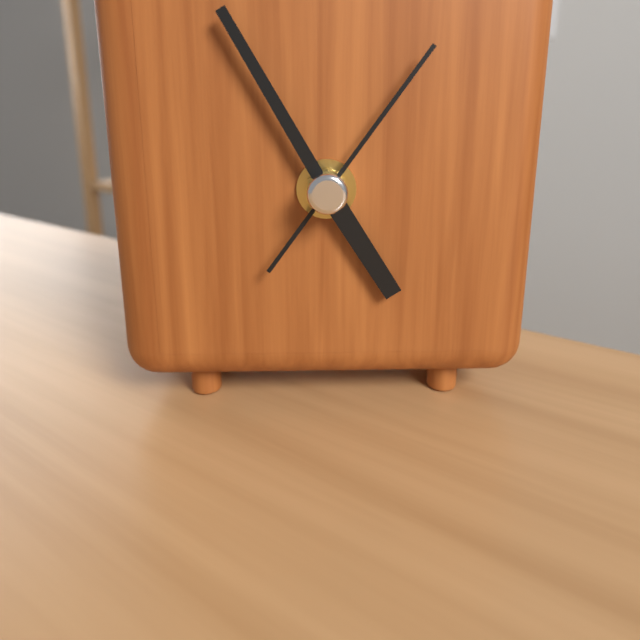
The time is 4,55,06
